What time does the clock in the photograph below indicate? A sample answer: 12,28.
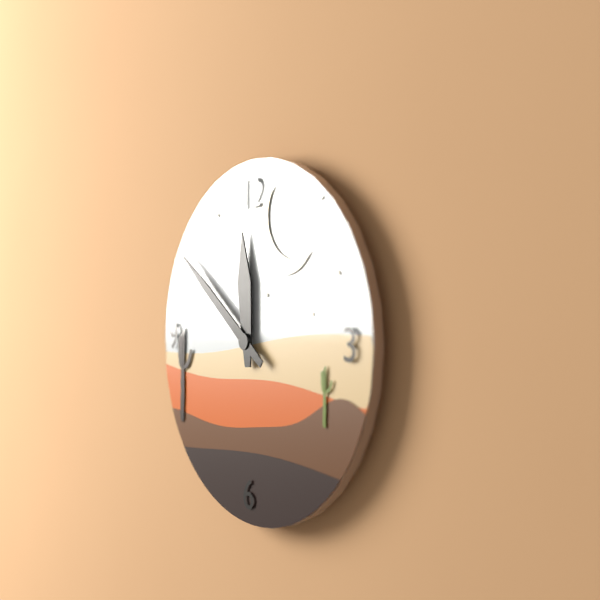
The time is 11,51
